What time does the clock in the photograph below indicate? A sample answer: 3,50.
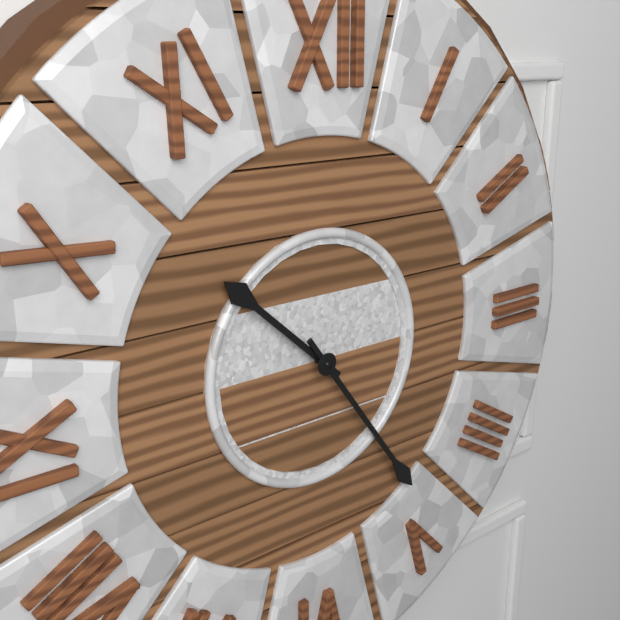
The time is 10,24
